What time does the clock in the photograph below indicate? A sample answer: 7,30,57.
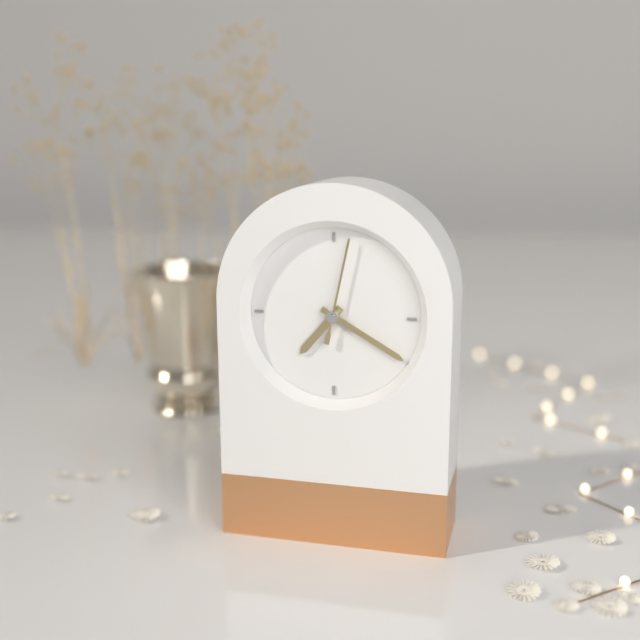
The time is 7,20,02
